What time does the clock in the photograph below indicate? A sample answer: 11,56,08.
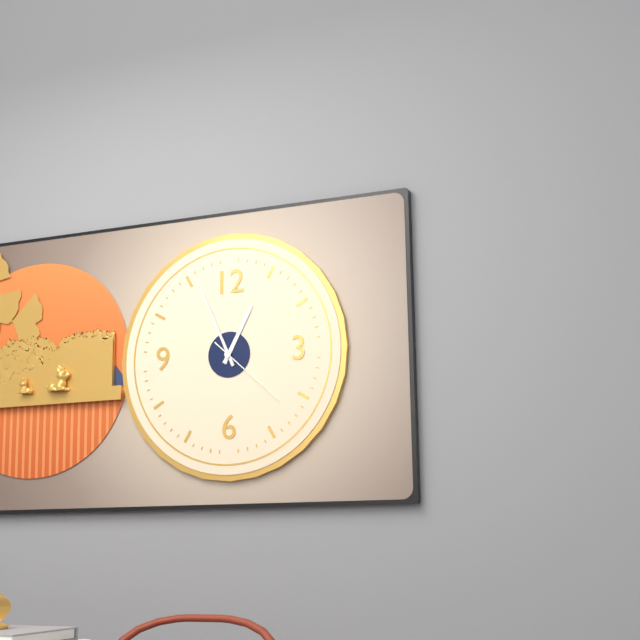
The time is 12,56,22
